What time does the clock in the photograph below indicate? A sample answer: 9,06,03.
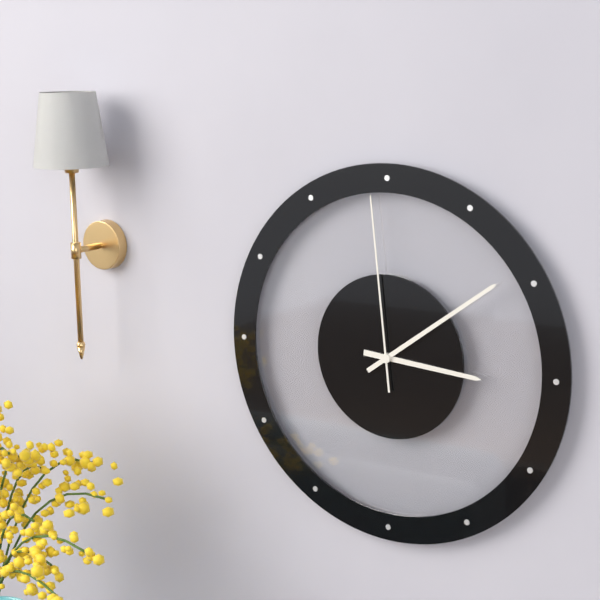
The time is 3,09,59
